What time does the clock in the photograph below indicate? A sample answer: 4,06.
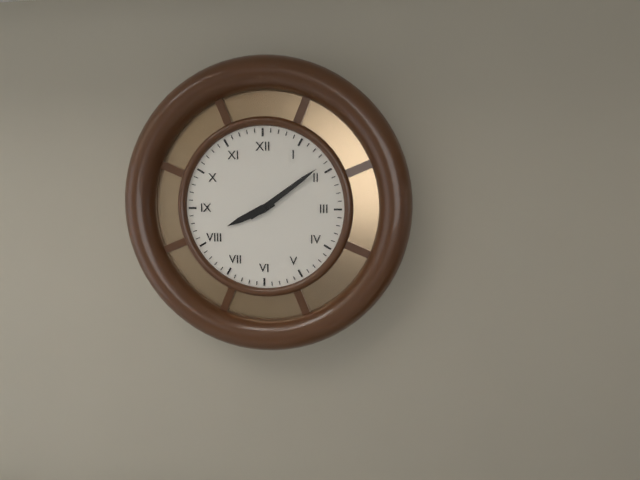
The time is 8,09
